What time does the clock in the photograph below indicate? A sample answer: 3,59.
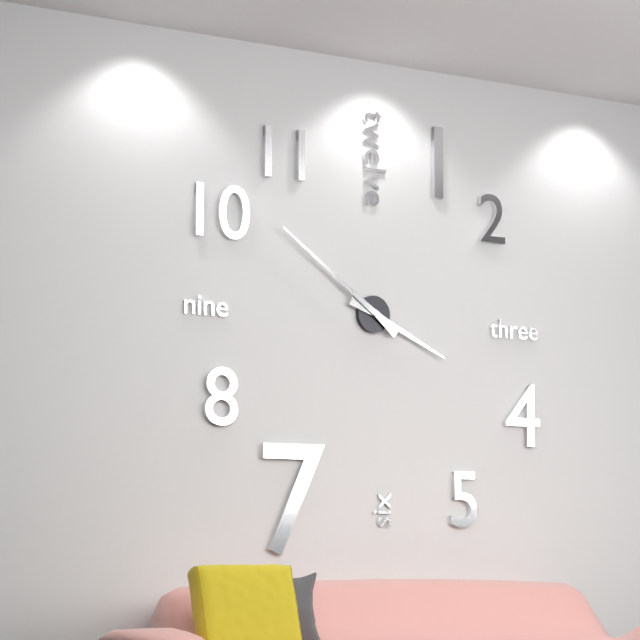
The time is 3,51
